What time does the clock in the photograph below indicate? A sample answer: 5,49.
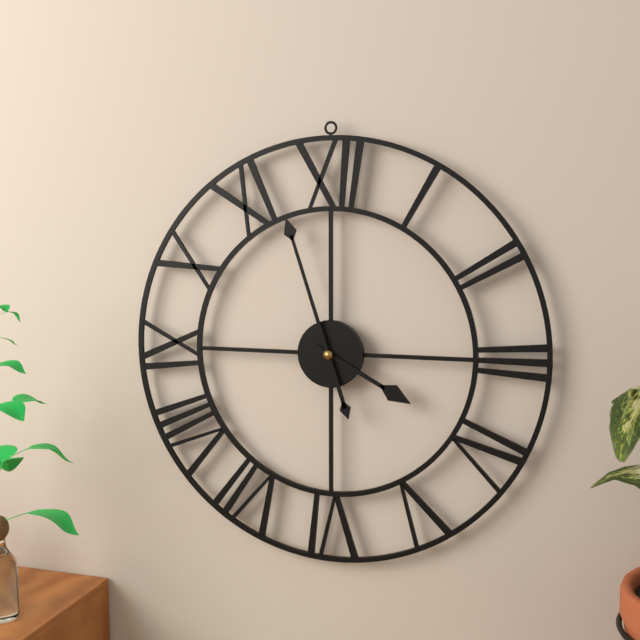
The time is 3,57
